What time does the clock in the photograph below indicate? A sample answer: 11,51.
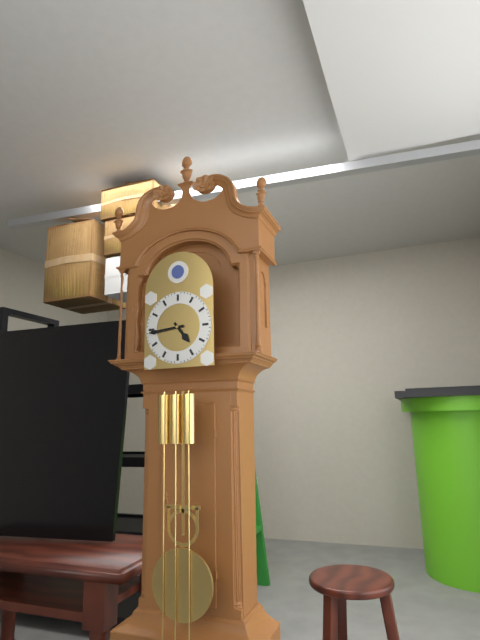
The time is 4,44
